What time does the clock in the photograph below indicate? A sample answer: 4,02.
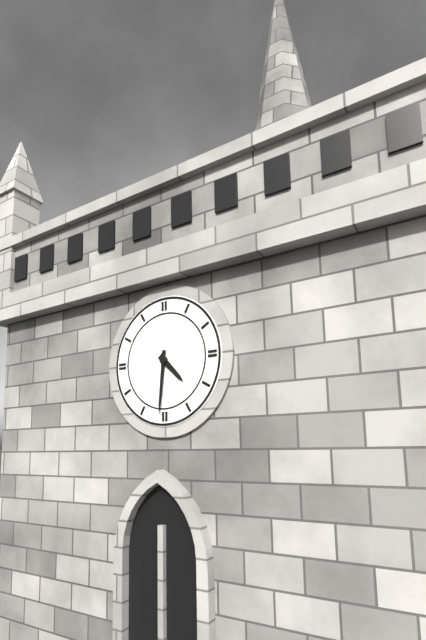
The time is 4,31
